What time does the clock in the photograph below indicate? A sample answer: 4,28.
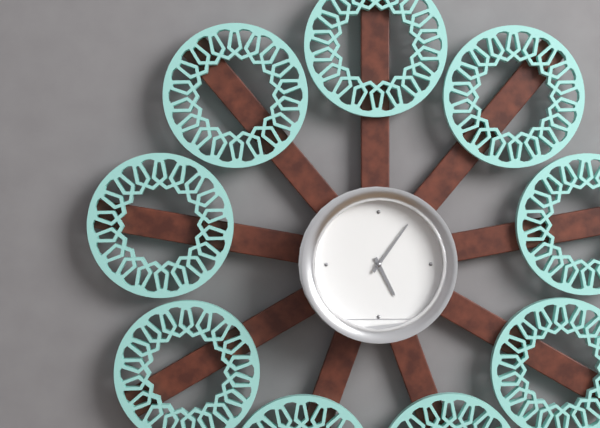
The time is 5,06
